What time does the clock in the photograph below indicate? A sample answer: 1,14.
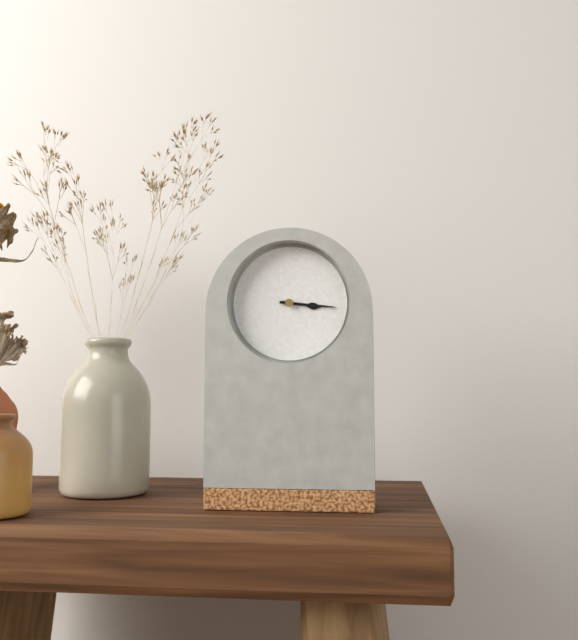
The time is 3,16
